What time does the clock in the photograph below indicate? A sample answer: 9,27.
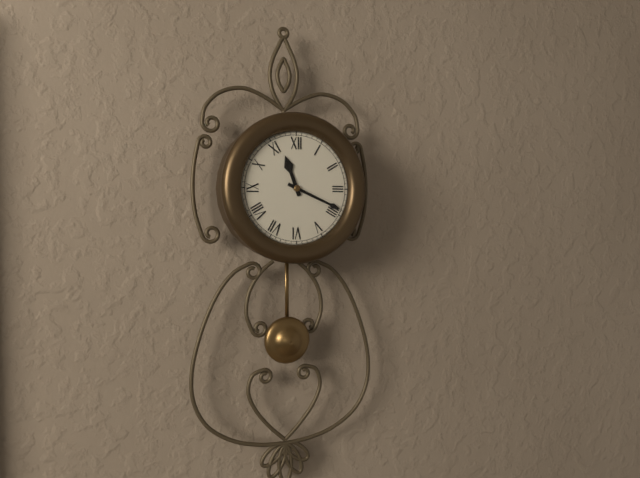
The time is 11,19
